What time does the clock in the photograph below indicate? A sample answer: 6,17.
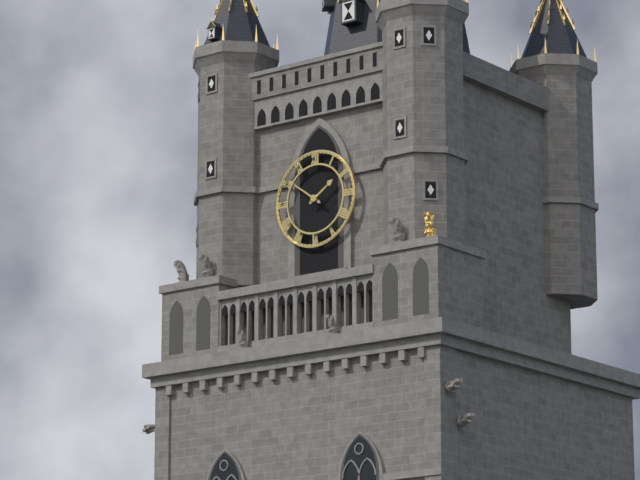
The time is 1,51
